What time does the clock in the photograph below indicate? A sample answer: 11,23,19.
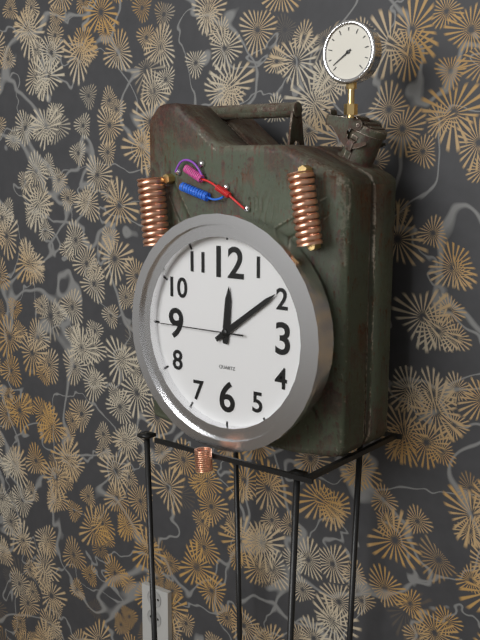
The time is 12,09,45
